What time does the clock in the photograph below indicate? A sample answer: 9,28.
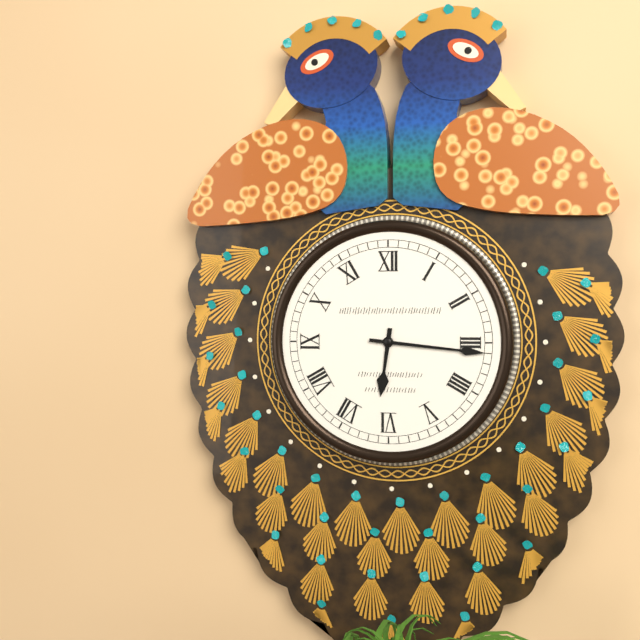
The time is 6,16
